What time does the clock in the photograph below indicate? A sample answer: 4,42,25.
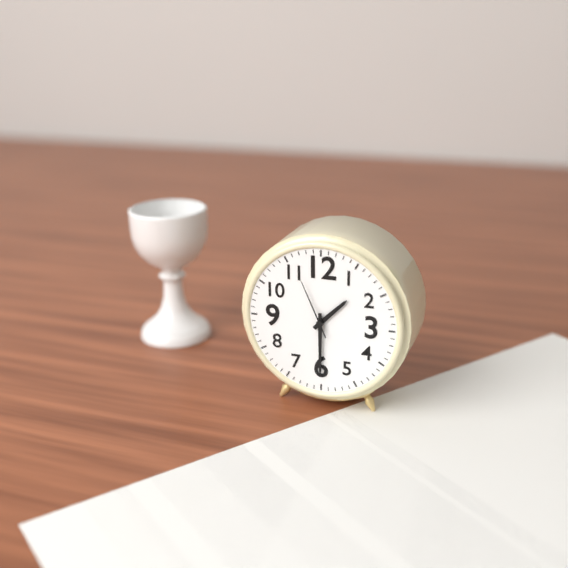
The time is 1,30,56
